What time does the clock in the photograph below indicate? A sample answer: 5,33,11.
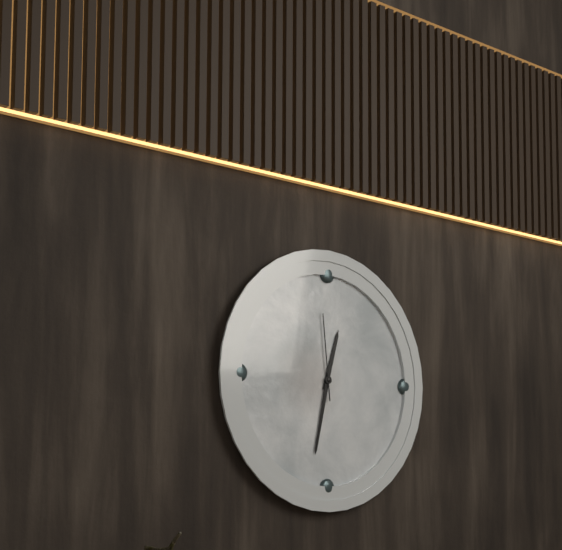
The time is 12,32,59
